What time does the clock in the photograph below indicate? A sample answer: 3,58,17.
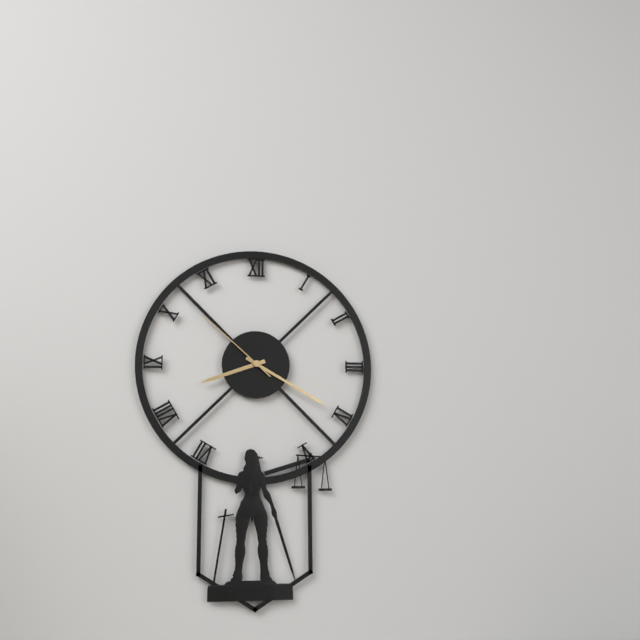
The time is 8,20,52
